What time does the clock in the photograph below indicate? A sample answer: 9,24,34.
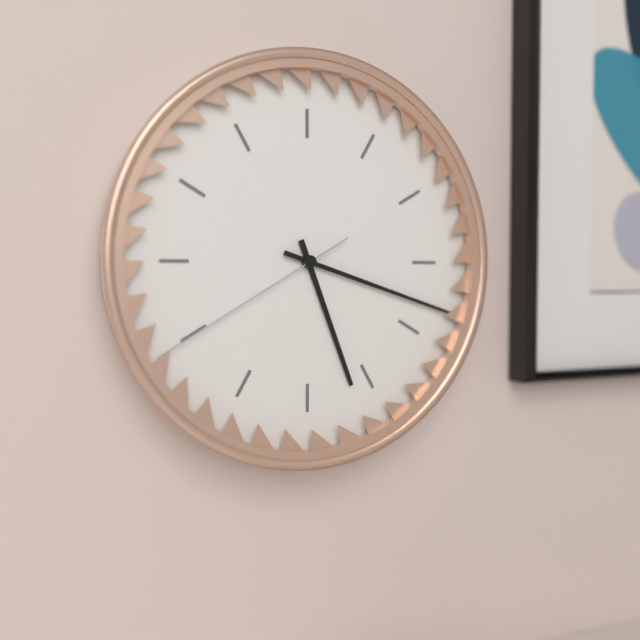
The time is 5,18,40
